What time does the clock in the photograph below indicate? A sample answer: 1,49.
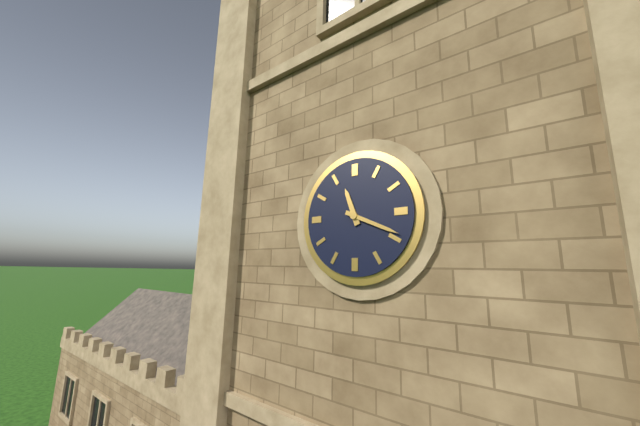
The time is 11,19
